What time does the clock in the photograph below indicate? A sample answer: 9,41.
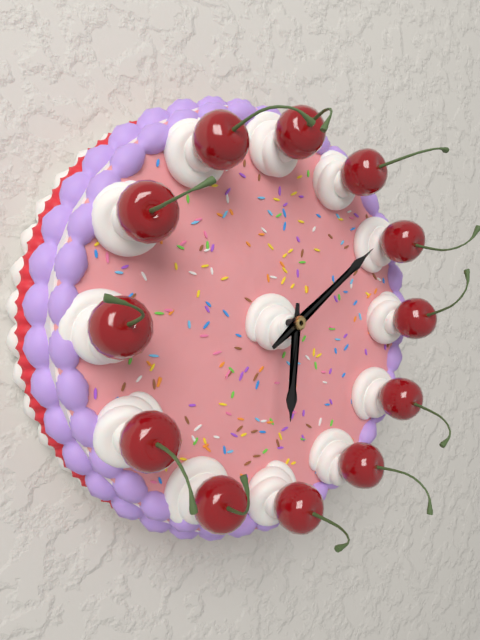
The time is 6,09
